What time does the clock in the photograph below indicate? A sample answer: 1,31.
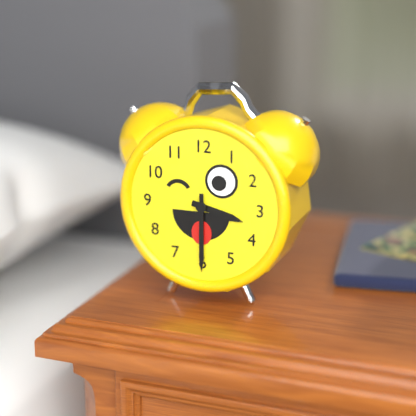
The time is 3,30
